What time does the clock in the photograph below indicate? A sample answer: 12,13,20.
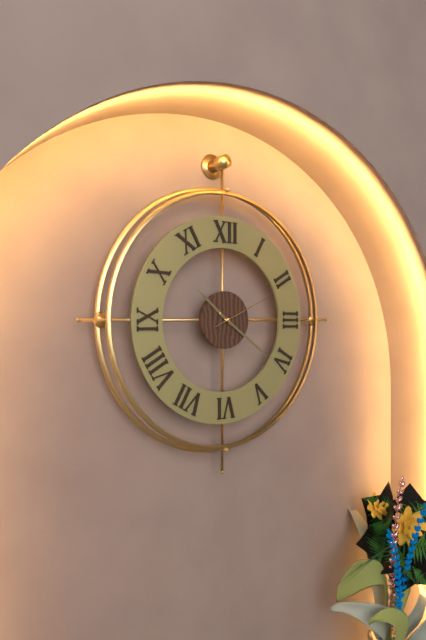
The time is 10,21,11
